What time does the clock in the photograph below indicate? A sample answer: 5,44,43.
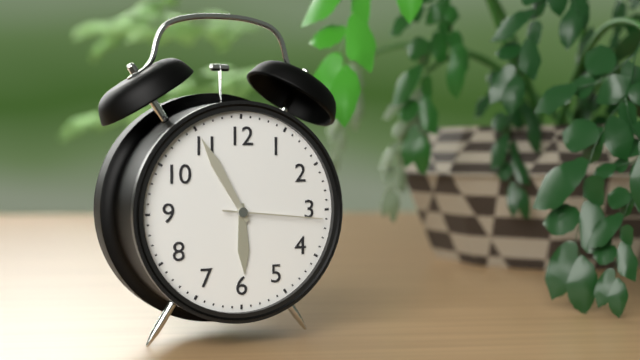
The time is 5,55,16
